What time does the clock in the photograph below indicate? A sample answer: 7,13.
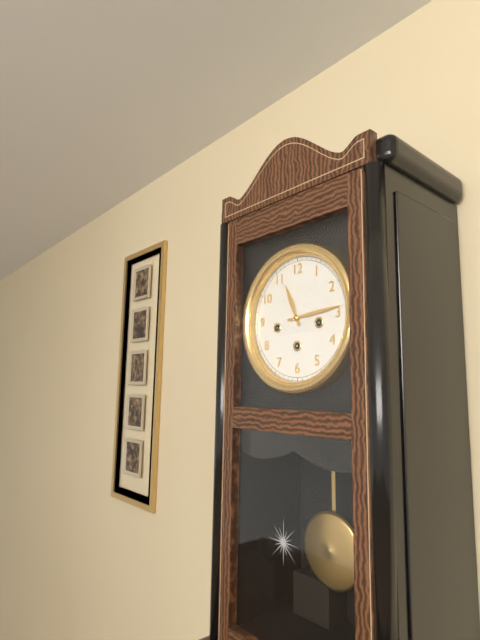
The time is 11,14
